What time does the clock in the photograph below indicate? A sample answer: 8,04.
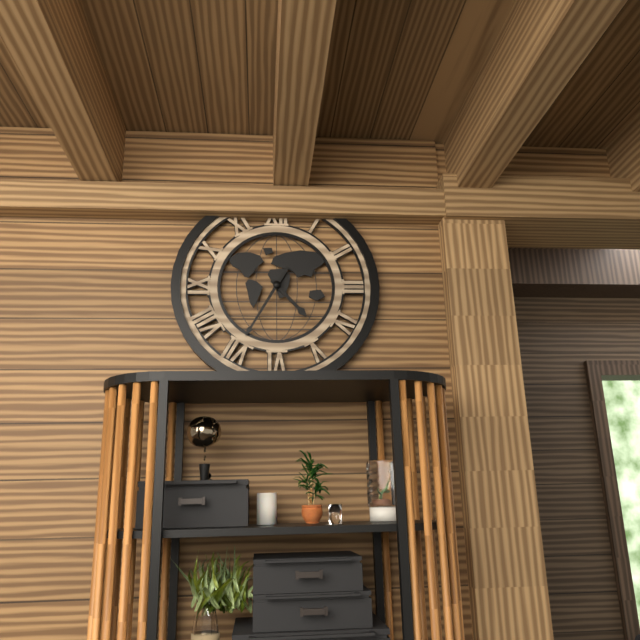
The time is 4,35
